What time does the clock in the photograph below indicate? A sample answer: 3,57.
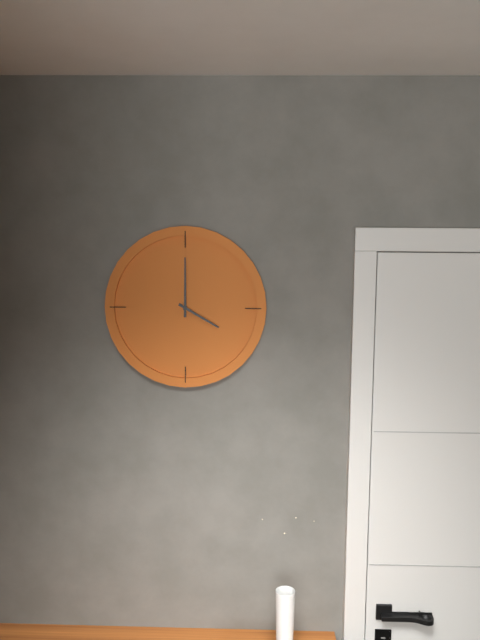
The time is 4,00
